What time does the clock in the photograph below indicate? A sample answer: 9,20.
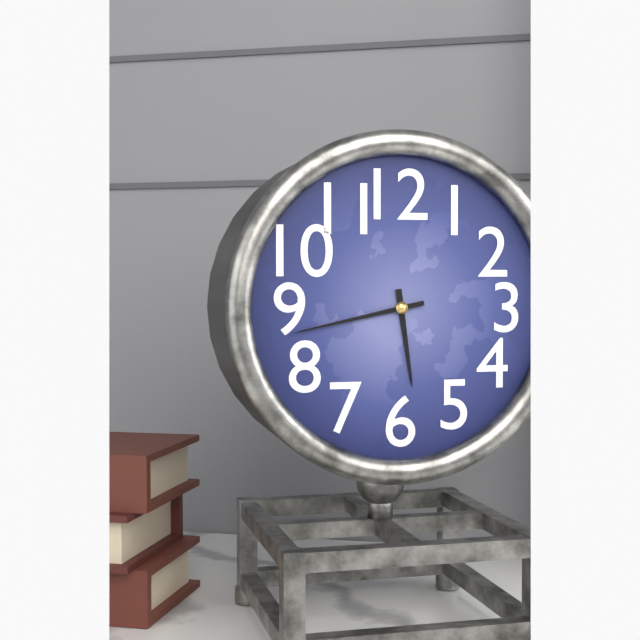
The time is 5,43
